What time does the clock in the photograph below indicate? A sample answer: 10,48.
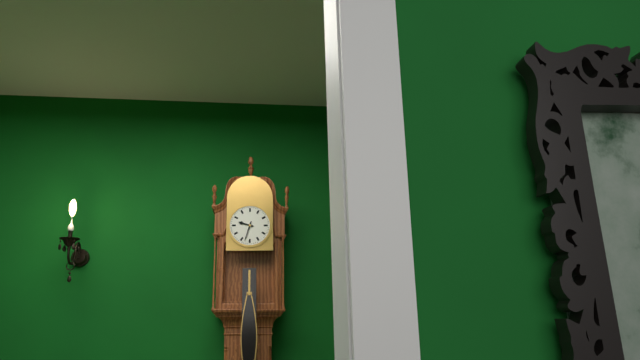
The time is 9,33
